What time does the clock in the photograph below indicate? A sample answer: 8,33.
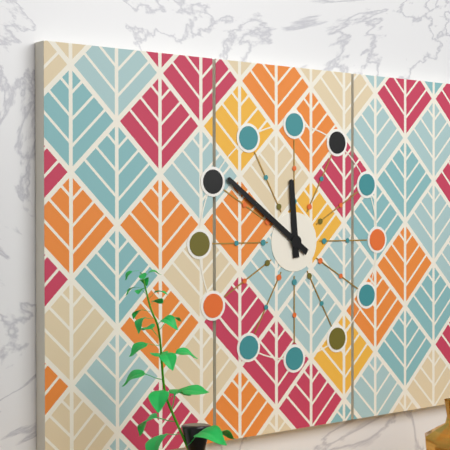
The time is 11,51
